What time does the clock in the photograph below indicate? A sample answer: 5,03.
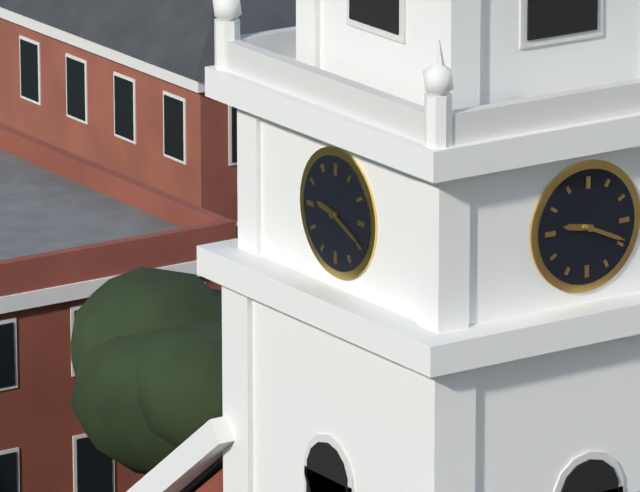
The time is 9,19
